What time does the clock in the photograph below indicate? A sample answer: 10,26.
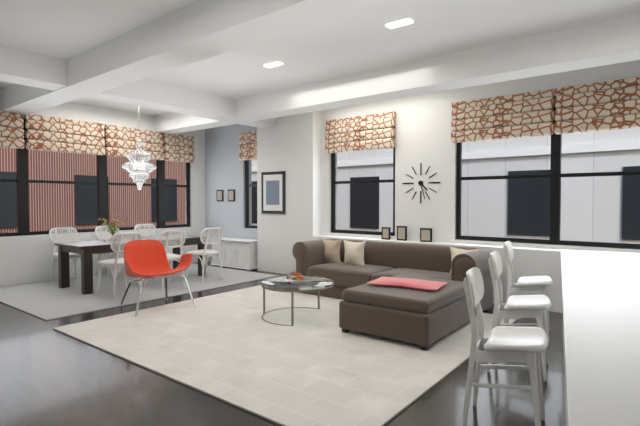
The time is 4,27
